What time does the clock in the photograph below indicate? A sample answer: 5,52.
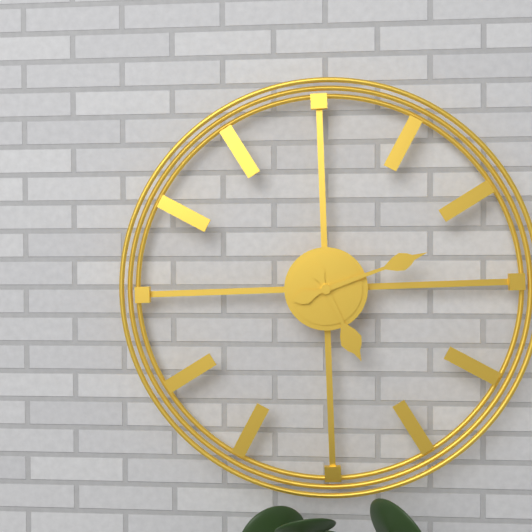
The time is 5,12
